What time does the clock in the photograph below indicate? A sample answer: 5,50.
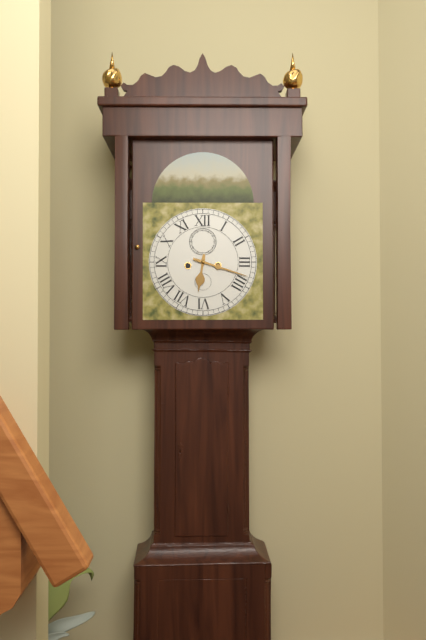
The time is 6,18
